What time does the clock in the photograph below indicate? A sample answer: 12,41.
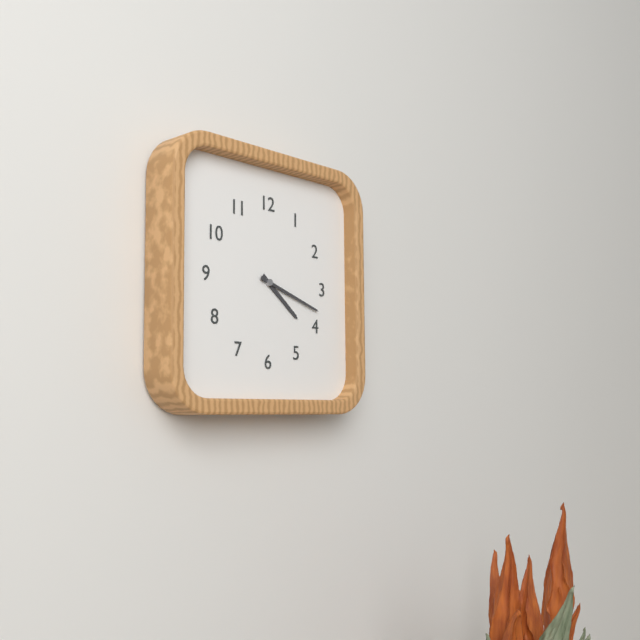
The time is 4,18
